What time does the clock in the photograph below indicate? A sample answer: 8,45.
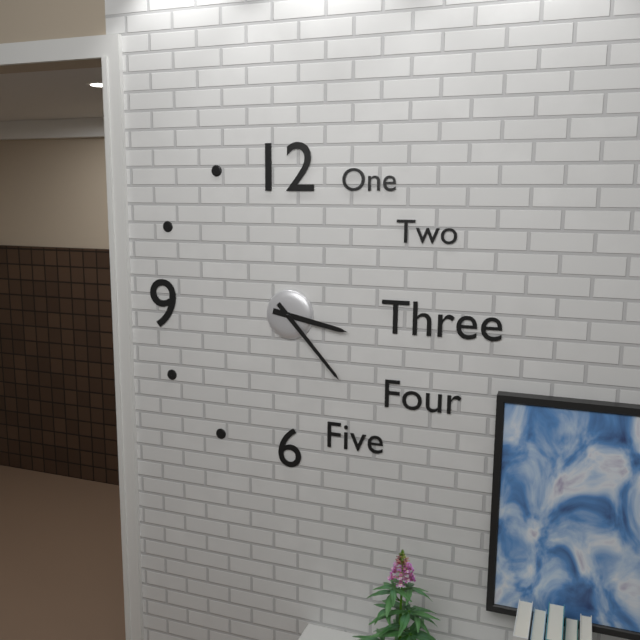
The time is 3,23
